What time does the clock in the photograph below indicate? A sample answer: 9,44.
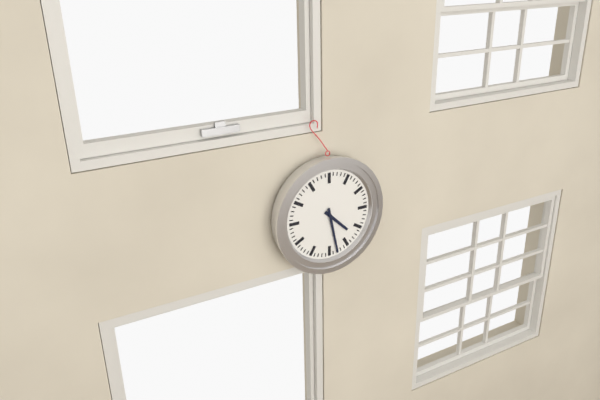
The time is 4,28
